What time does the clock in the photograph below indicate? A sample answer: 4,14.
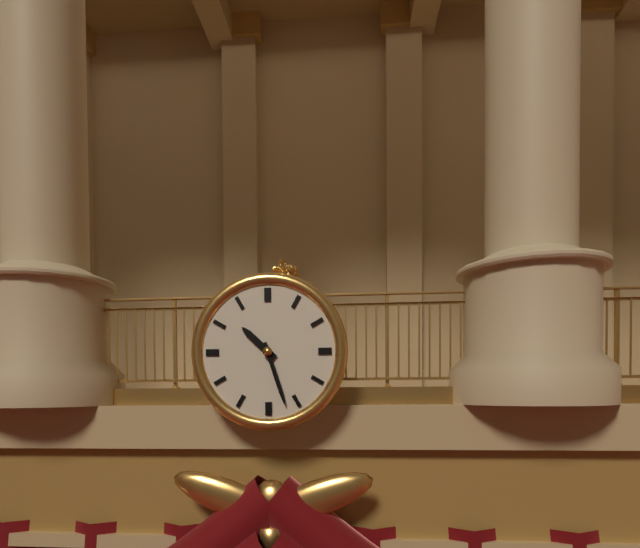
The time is 10,27
